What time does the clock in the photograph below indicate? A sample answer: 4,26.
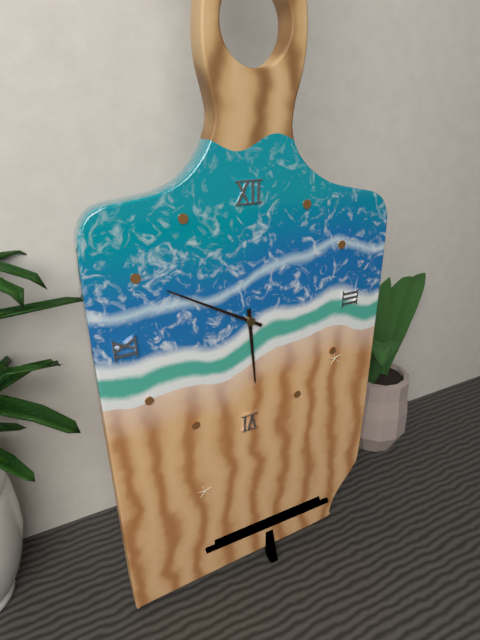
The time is 5,50
